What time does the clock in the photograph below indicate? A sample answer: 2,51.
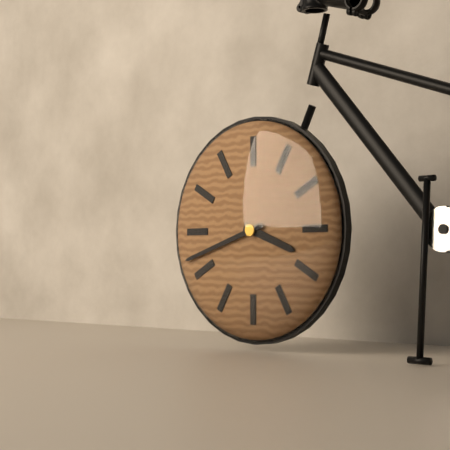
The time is 3,42
